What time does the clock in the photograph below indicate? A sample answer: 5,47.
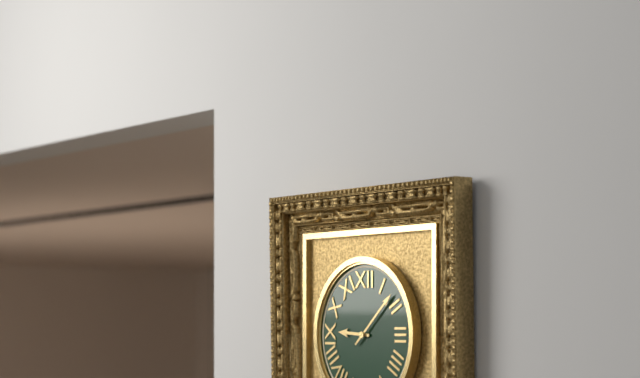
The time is 9,08
